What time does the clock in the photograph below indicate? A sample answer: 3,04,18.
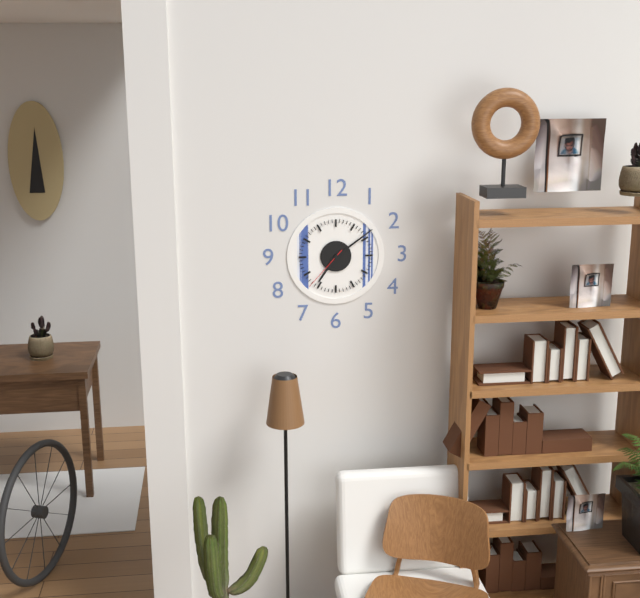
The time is 7,09,37
